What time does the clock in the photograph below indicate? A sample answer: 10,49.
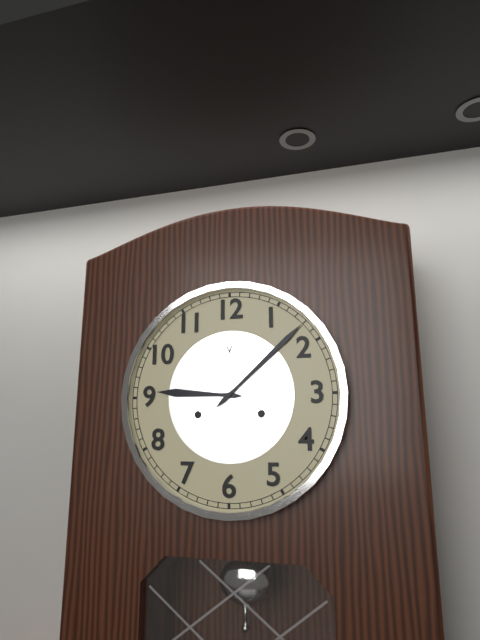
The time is 9,08
